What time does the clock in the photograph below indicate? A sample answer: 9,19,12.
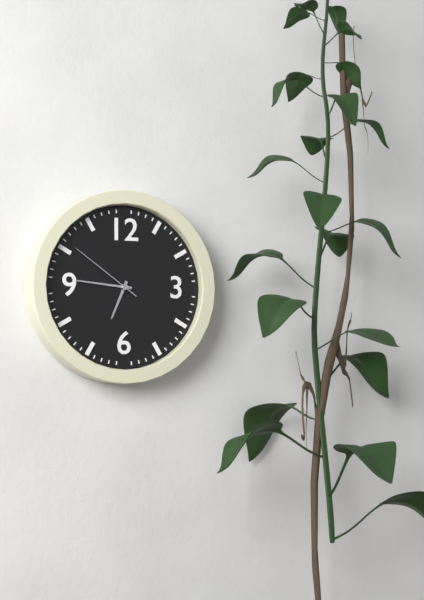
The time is 6,46,51
